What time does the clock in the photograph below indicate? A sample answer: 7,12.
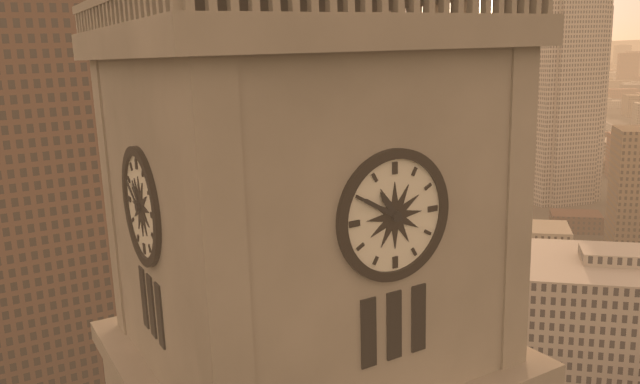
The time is 10,50
